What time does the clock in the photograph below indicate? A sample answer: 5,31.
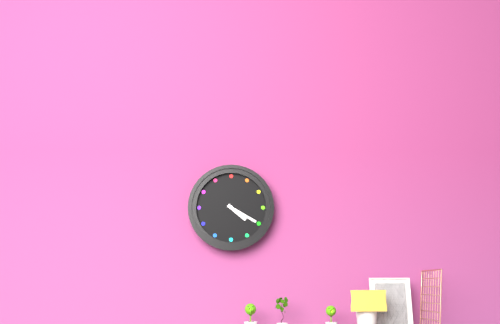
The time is 4,20
